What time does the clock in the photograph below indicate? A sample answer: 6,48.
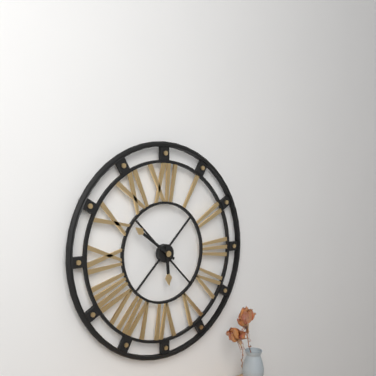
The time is 5,51
